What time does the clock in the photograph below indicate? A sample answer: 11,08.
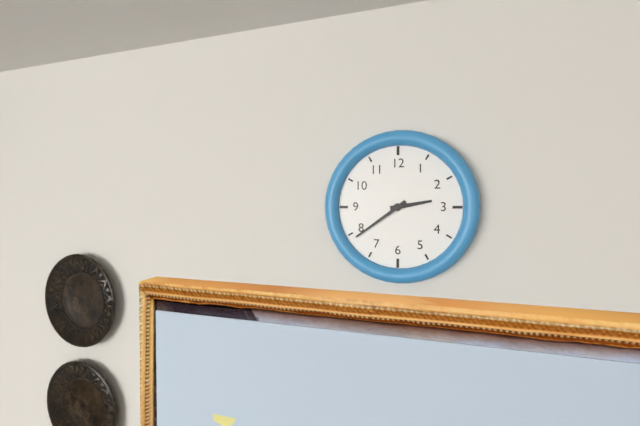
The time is 2,39
